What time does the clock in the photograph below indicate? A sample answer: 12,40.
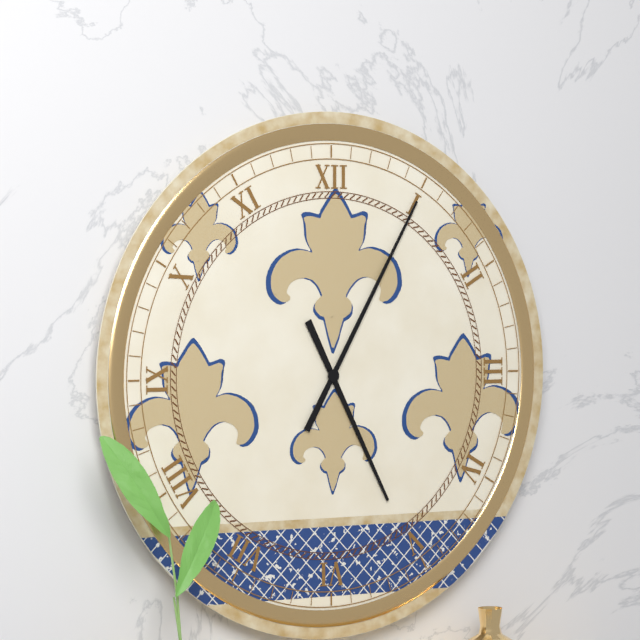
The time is 5,05
